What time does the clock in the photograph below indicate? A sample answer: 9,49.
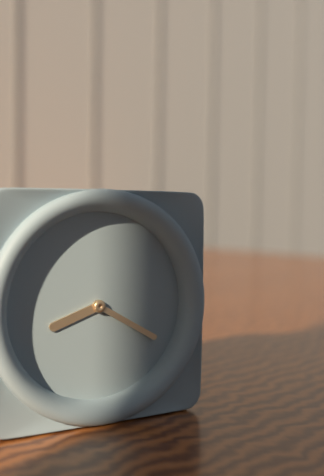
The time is 8,20
